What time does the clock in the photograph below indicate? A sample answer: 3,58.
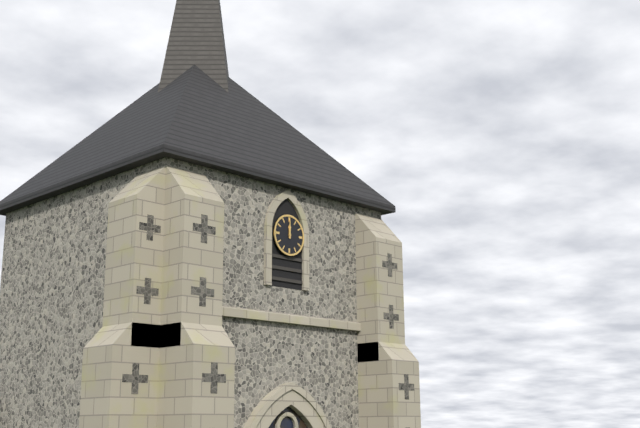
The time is 12,00
